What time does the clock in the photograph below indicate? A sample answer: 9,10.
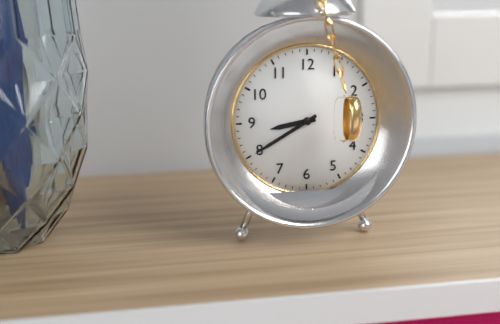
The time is 8,40
